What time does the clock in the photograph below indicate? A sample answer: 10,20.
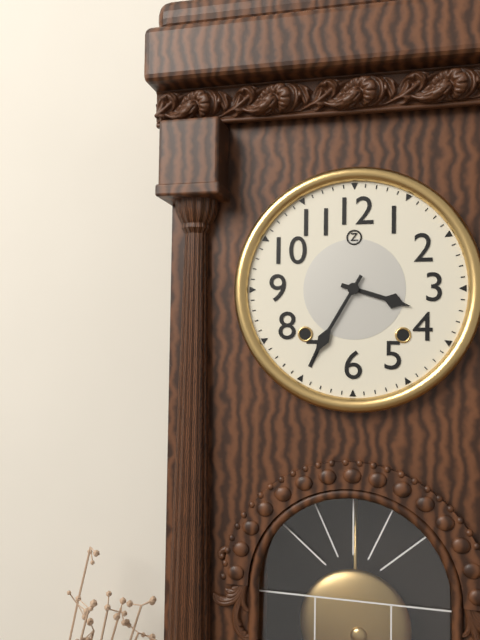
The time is 3,35
